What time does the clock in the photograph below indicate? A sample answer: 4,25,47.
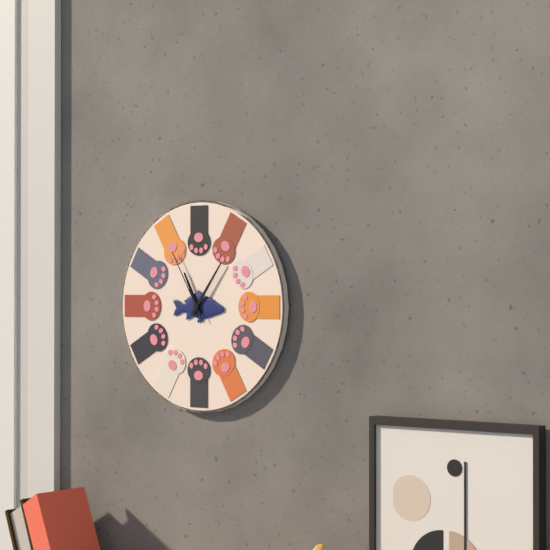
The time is 11,06,55
